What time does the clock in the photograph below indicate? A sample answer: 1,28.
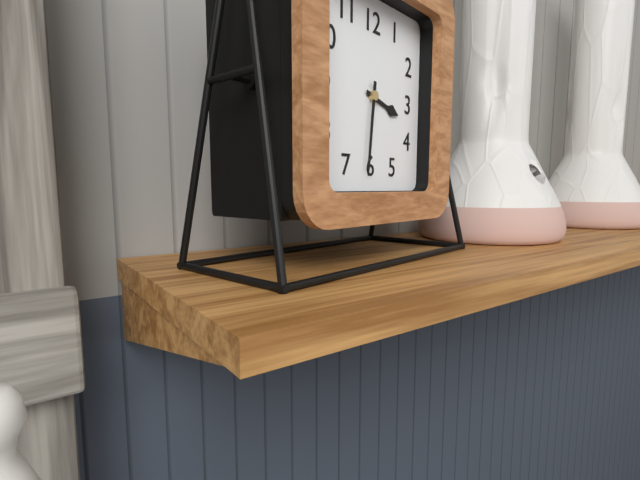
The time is 3,31
